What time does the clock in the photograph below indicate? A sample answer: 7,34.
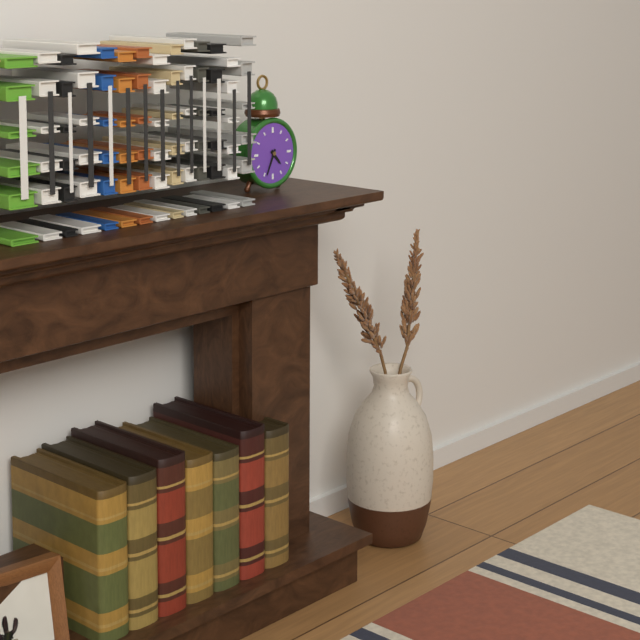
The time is 4,34
